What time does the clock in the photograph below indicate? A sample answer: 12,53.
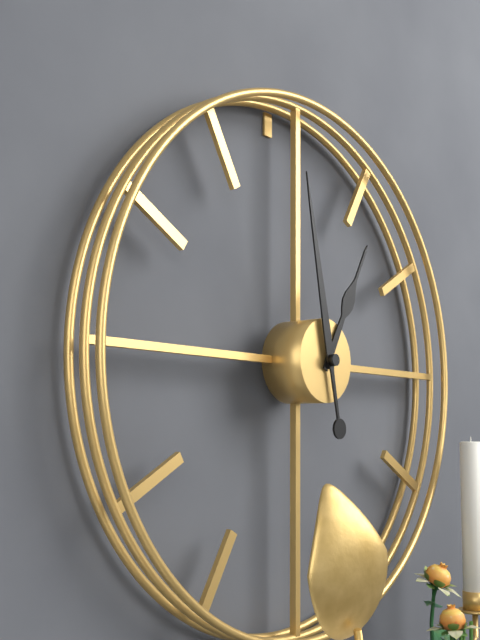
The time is 12,58
